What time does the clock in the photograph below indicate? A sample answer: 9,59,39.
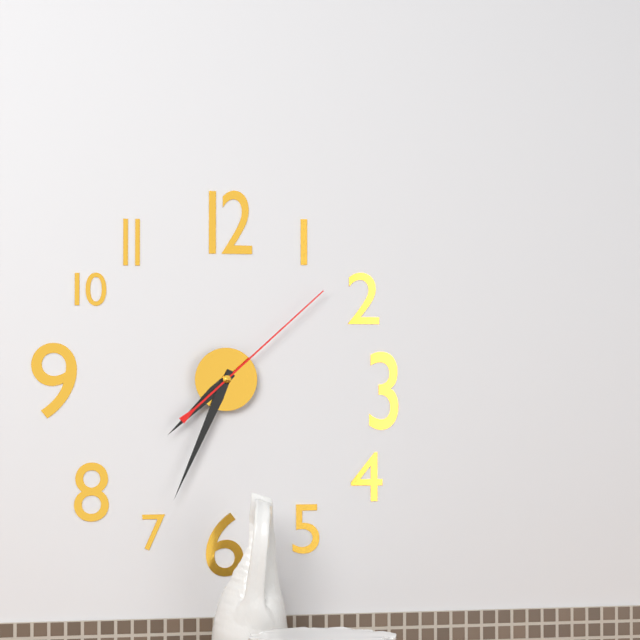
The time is 7,34,08
